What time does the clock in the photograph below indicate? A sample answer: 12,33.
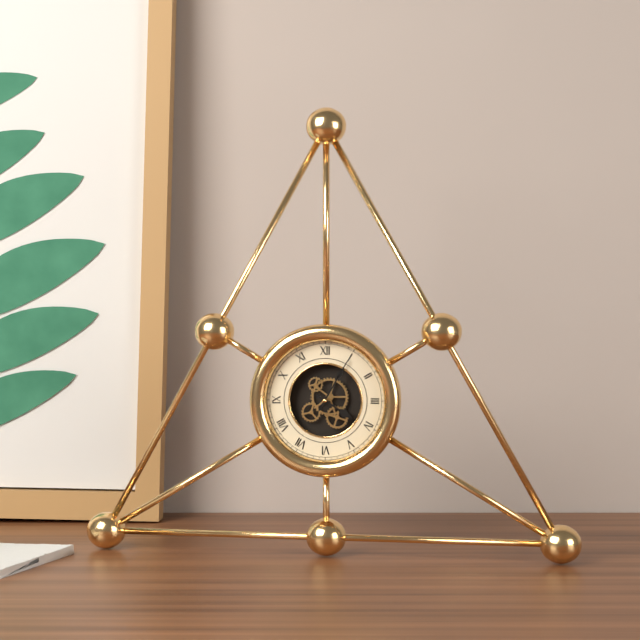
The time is 4,05
